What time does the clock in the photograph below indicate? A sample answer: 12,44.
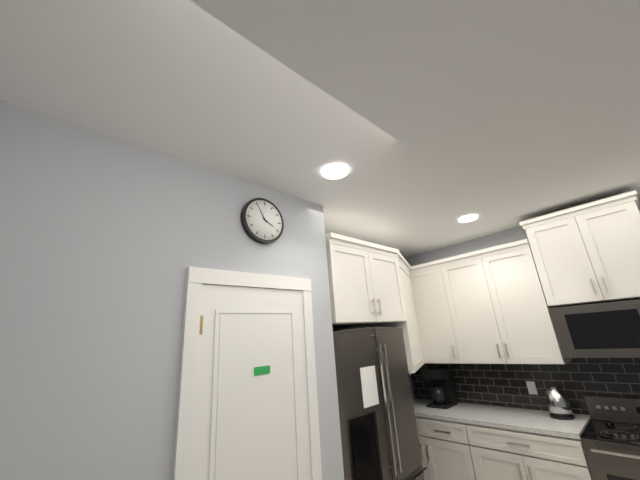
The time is 3,55
